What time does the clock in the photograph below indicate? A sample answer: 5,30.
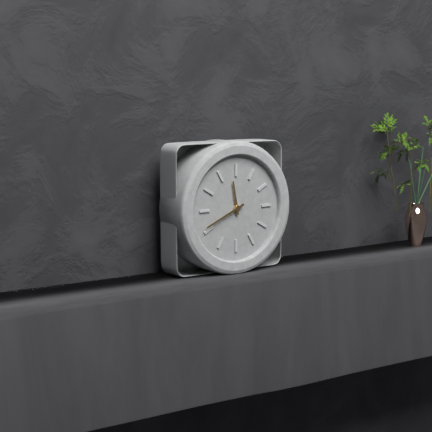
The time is 11,41
